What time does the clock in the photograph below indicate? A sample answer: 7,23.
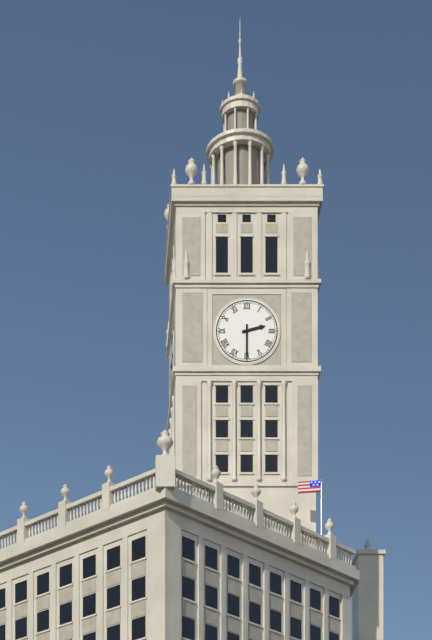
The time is 2,30
